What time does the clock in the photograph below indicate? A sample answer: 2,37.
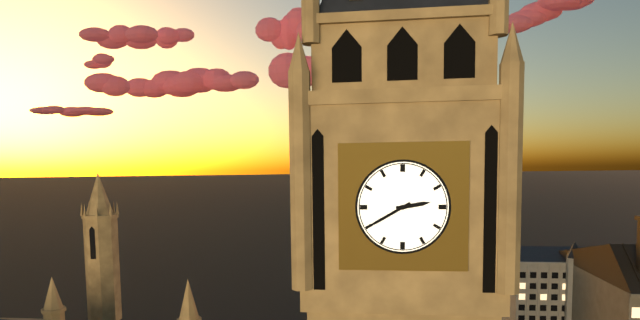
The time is 2,40
